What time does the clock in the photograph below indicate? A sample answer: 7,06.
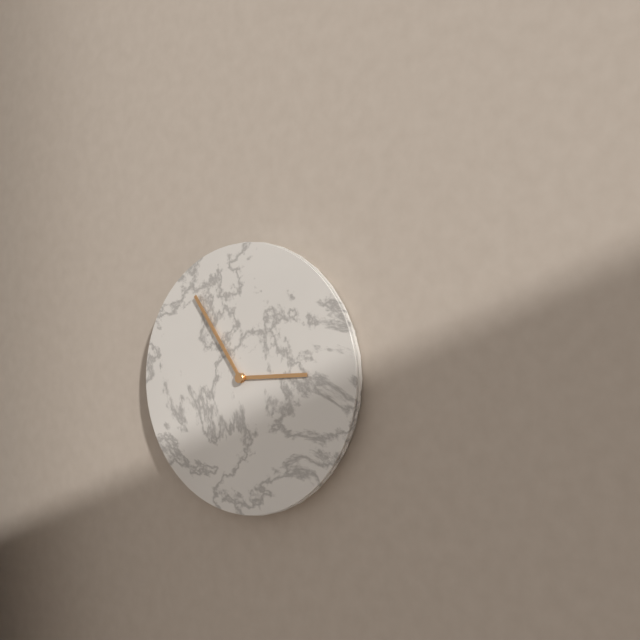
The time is 2,54
